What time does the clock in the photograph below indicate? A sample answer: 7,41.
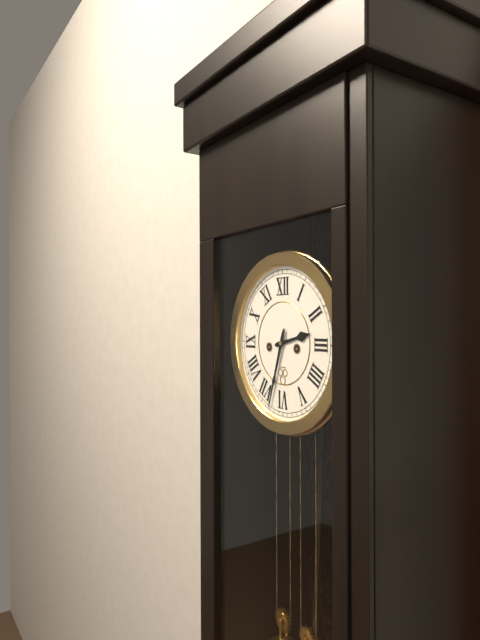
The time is 2,33
